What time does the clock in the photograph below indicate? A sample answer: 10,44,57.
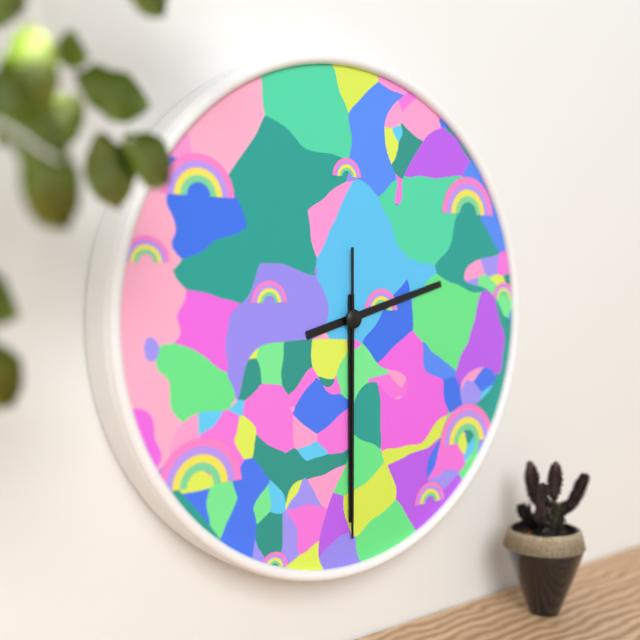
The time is 2,30,30
